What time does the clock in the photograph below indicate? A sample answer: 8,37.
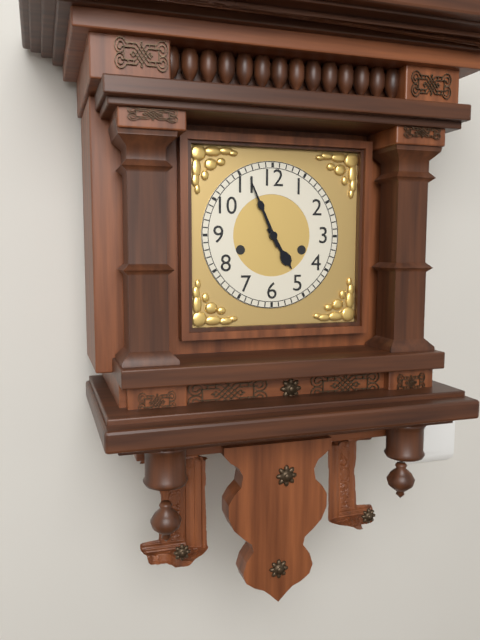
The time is 4,56
